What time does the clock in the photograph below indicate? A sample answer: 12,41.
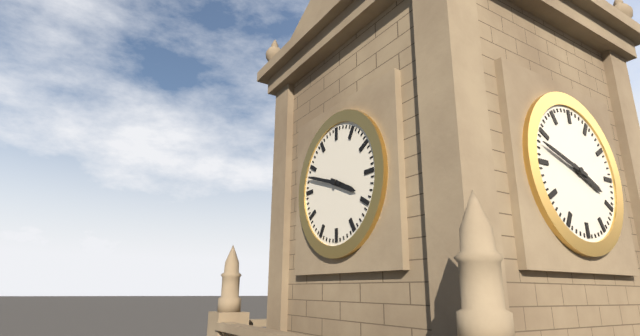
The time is 3,48
